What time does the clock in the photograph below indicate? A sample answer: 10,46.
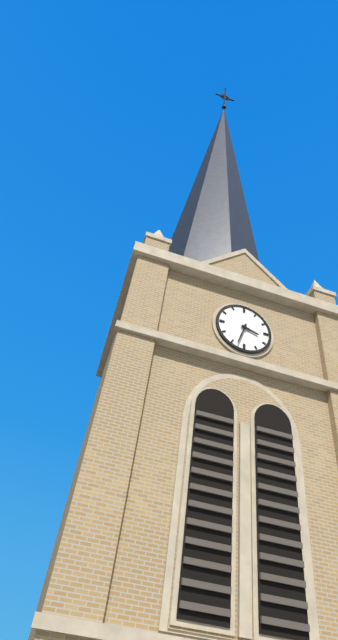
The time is 3,33
